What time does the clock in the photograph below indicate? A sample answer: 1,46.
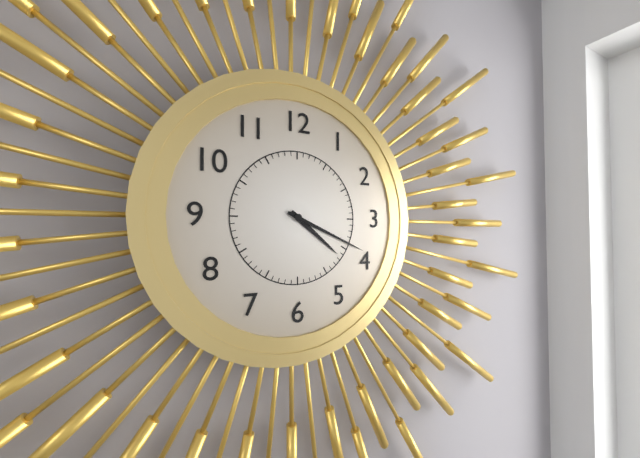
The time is 4,19
